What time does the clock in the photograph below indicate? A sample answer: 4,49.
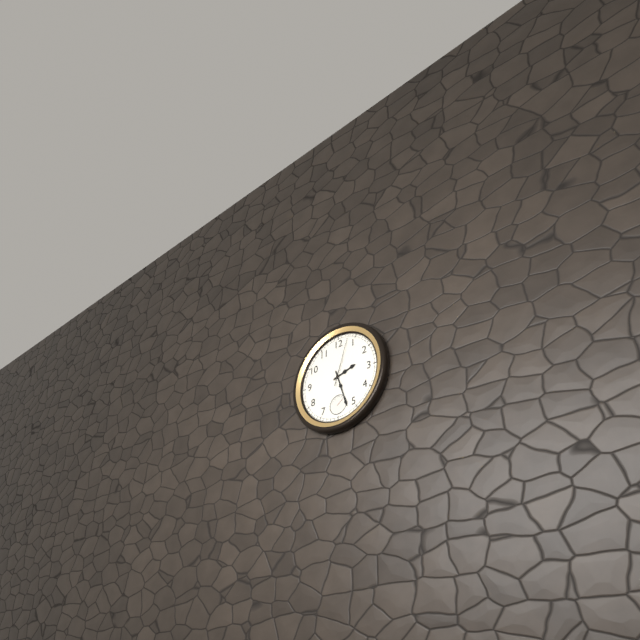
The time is 2,27
